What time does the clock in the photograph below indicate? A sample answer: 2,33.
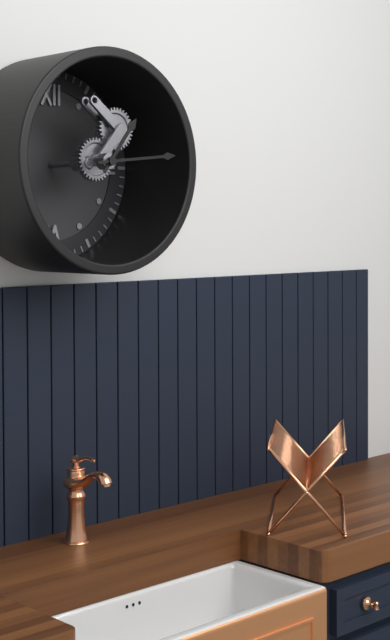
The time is 1,14
